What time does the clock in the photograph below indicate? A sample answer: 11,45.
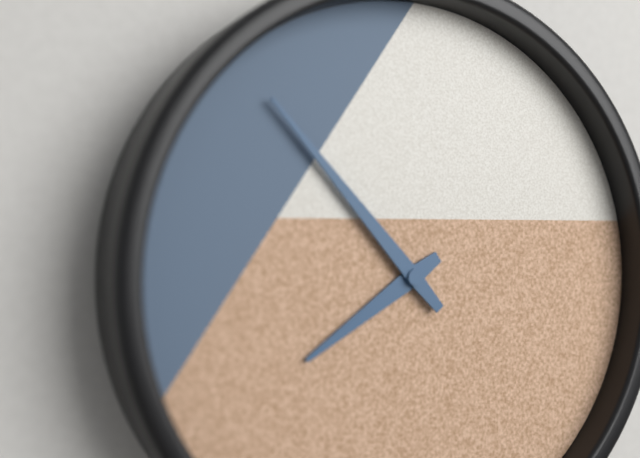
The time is 7,53
